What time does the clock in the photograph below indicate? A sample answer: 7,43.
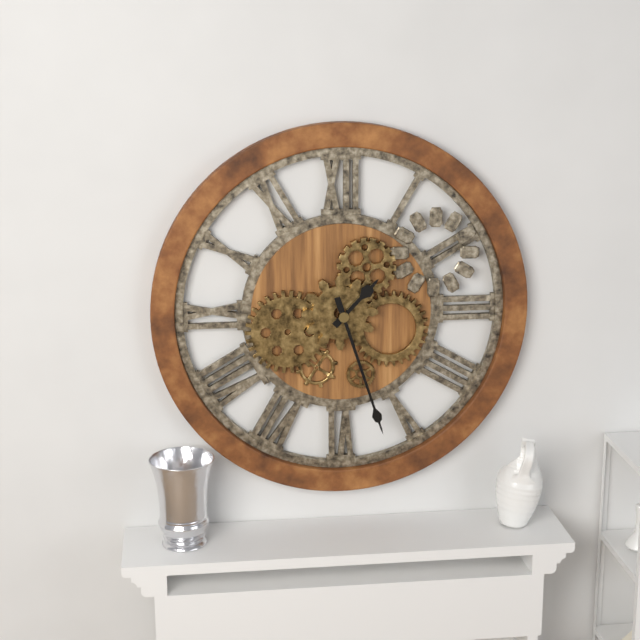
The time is 1,27
